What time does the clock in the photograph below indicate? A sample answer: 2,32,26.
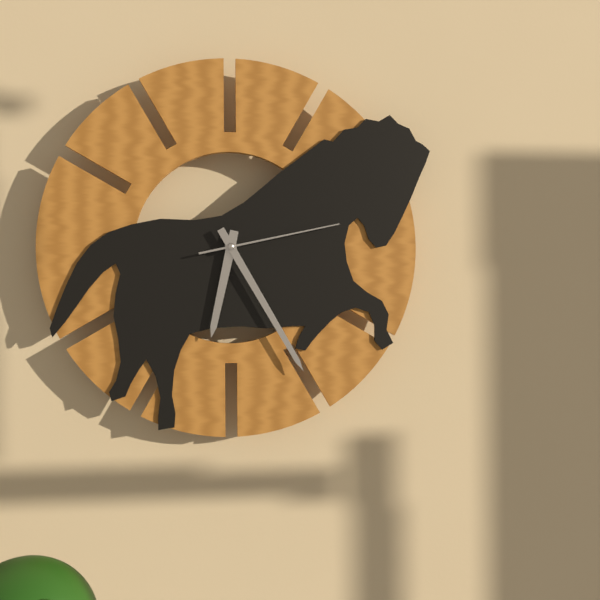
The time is 6,25,13
